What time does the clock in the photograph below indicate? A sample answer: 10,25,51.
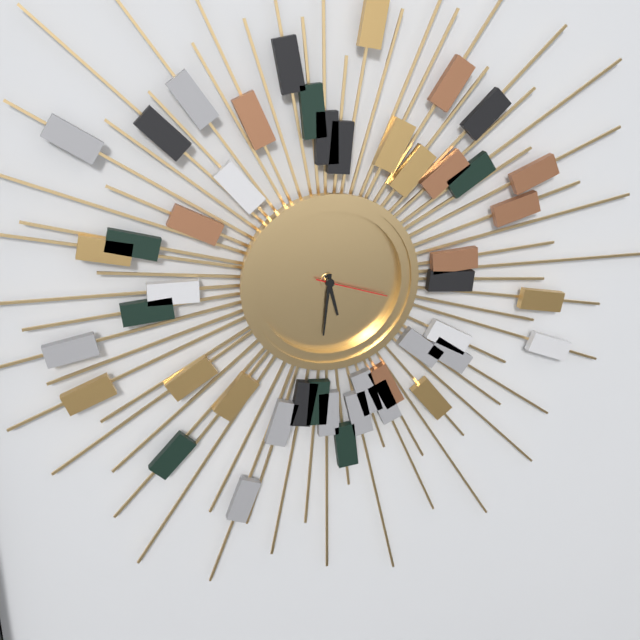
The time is 5,31,18
